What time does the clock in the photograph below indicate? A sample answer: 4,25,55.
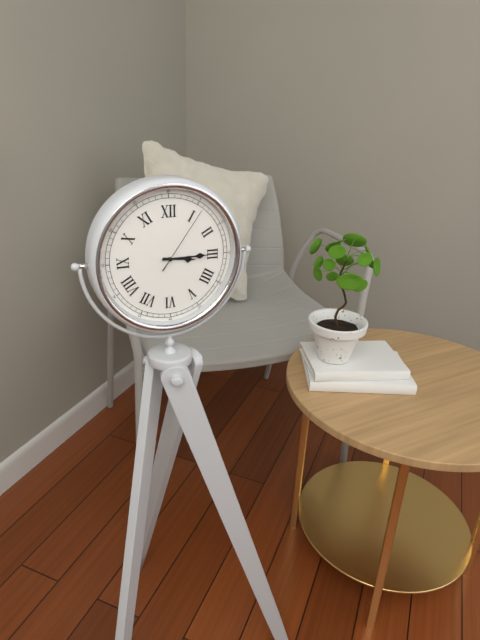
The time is 3,15,06
